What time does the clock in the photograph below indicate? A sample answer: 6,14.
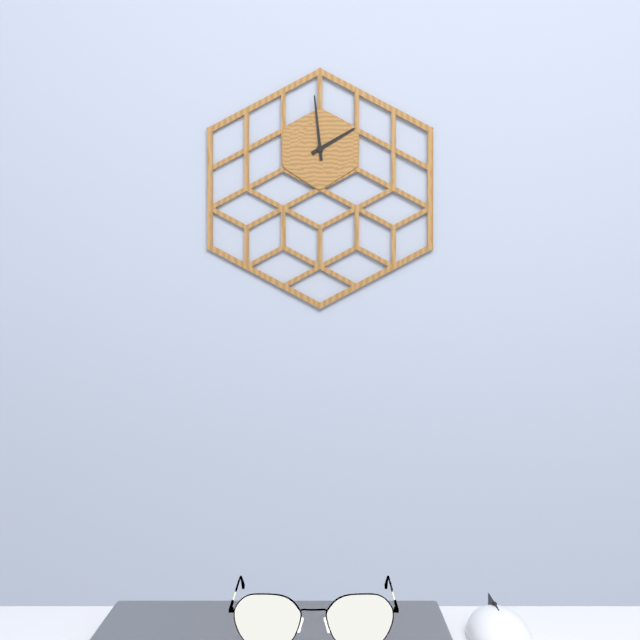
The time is 1,59
